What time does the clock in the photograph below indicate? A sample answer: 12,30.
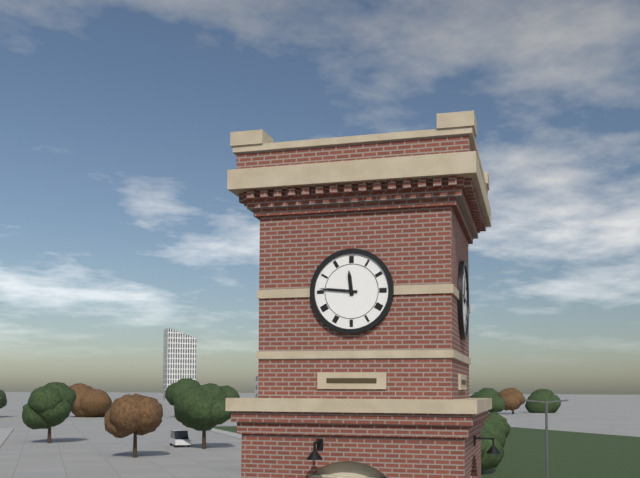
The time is 11,46
